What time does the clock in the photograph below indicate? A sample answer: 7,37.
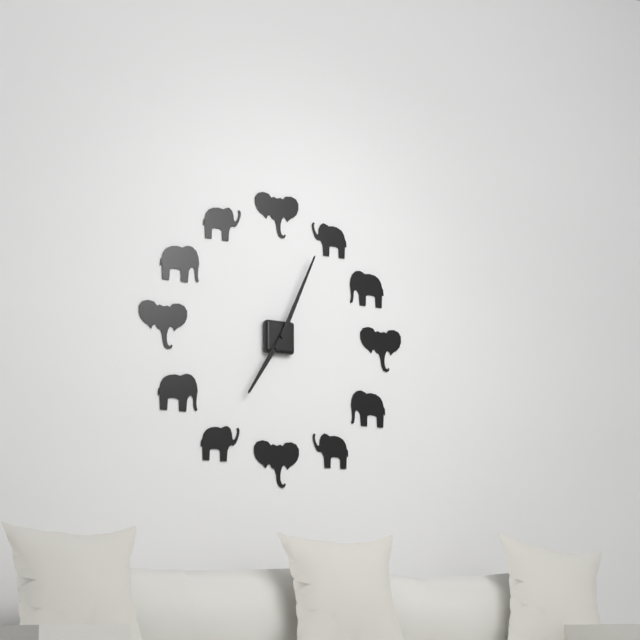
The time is 7,04
